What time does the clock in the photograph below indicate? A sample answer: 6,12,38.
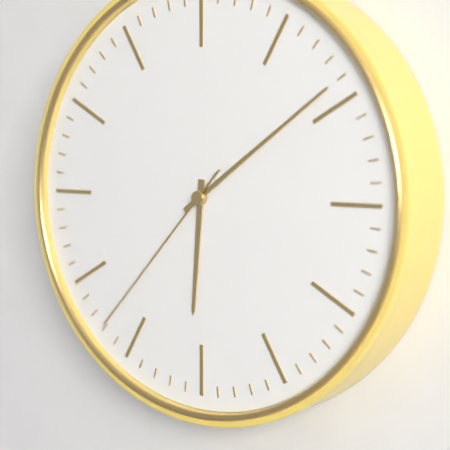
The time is 6,09,37
